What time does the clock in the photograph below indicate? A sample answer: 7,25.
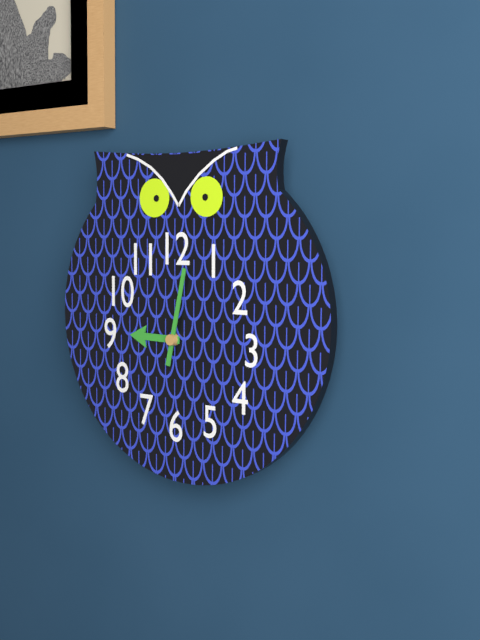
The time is 9,02
